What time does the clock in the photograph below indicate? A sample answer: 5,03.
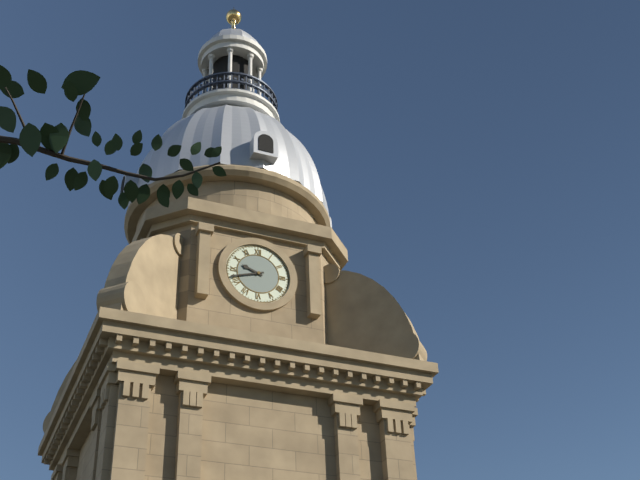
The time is 9,42
